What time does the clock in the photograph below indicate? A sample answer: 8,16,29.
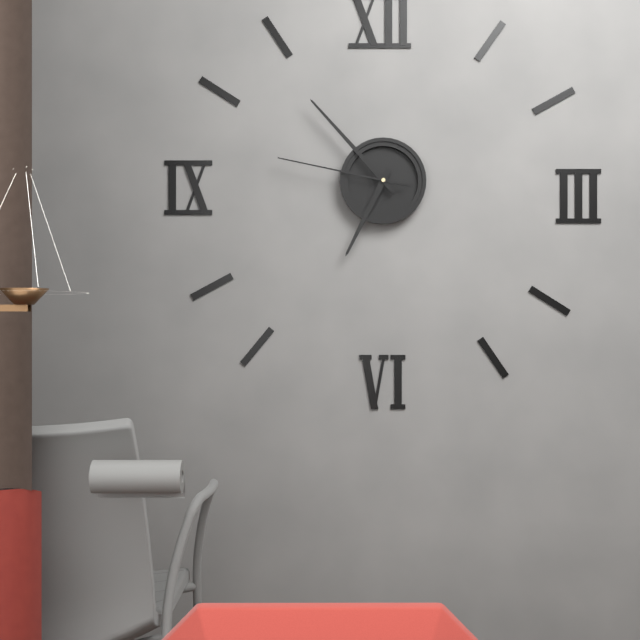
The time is 6,53,47
